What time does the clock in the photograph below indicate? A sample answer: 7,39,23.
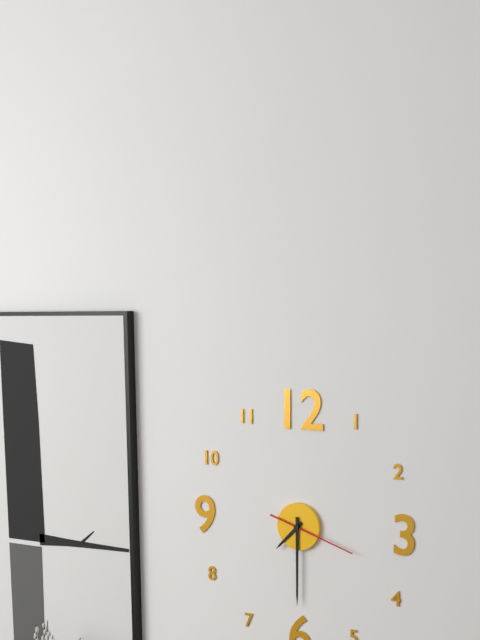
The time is 7,30,18
